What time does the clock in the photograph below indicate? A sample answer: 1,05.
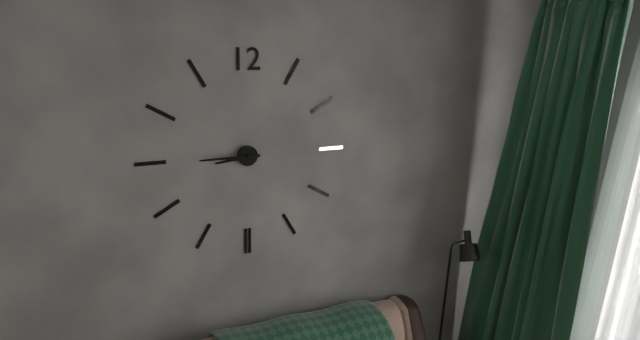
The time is 8,45
